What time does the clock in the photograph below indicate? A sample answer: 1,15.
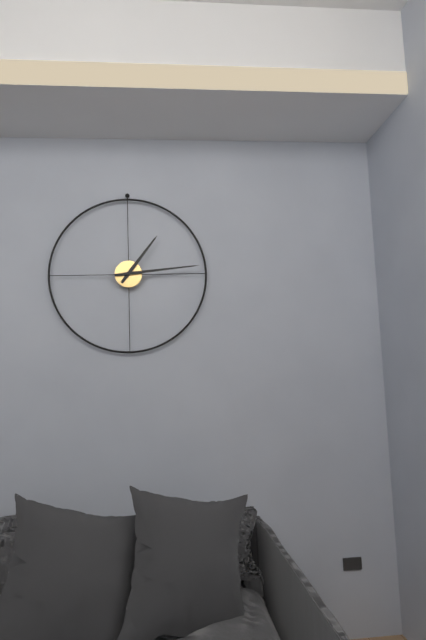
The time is 1,14
